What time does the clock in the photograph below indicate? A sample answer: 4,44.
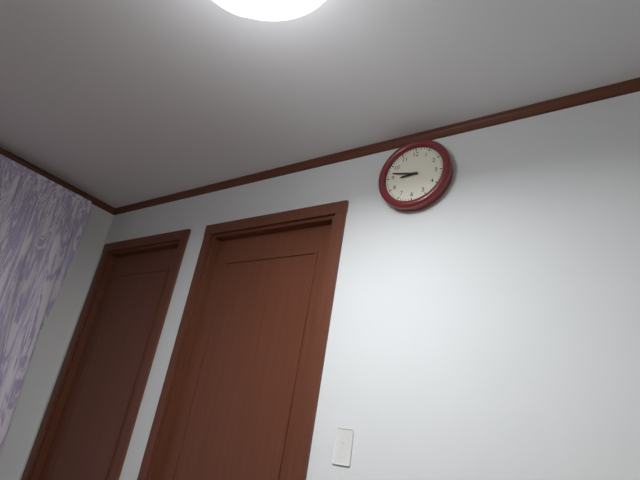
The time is 8,47
